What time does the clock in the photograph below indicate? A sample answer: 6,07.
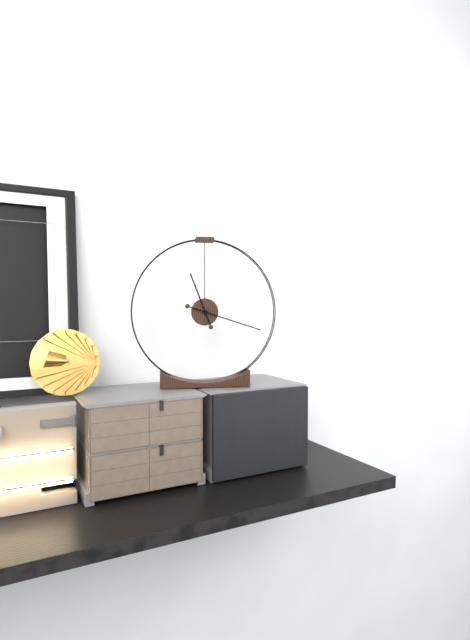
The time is 11,18
